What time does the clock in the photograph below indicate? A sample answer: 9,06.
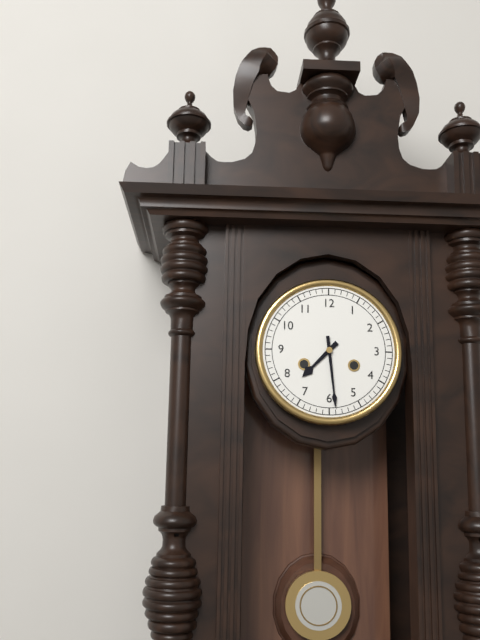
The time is 7,29
